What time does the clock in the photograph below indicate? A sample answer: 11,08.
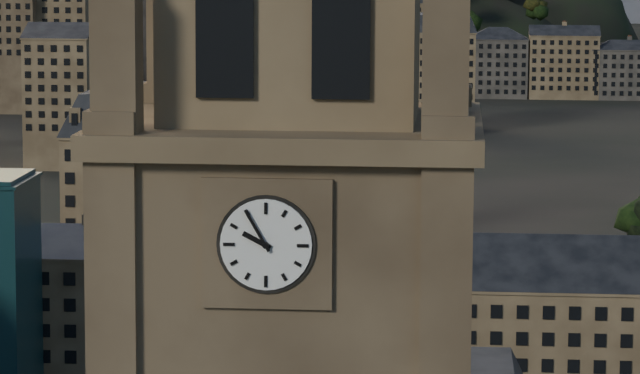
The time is 9,55
